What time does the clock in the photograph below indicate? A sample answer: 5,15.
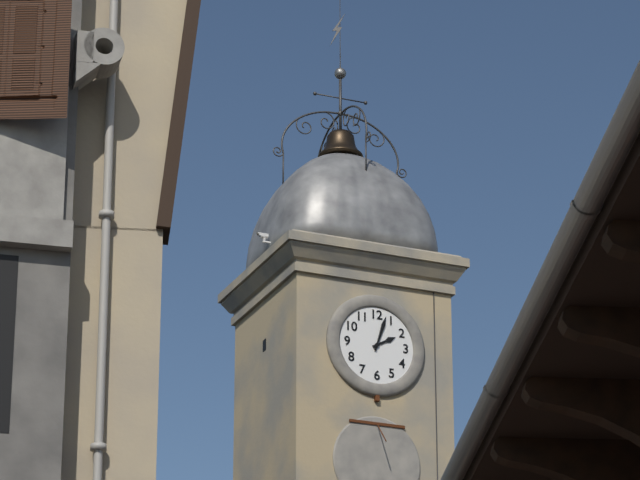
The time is 2,03
